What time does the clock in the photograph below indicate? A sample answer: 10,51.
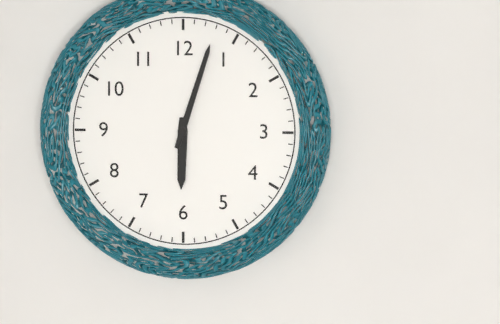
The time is 6,03
